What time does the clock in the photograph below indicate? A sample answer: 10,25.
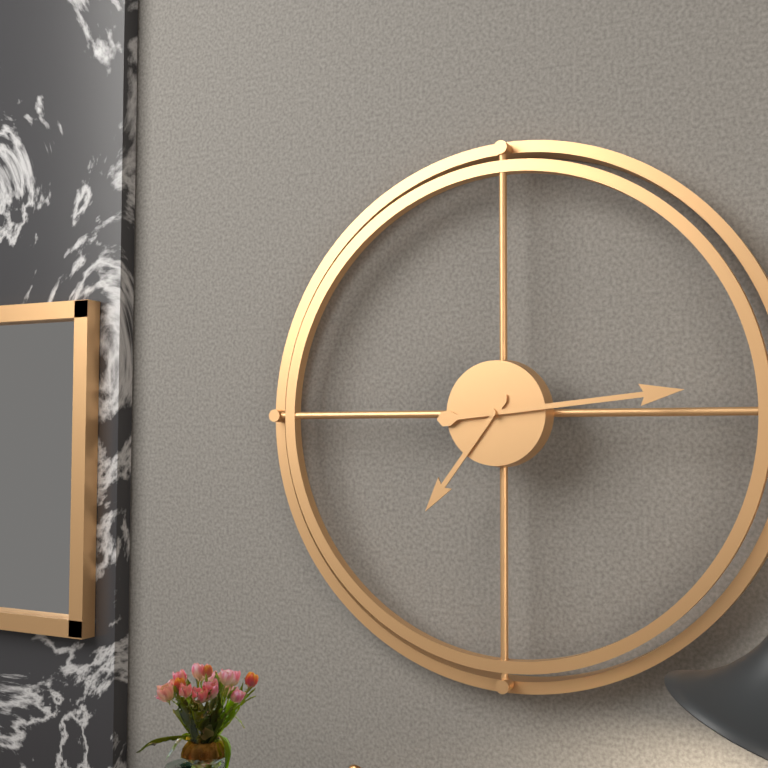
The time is 7,14
